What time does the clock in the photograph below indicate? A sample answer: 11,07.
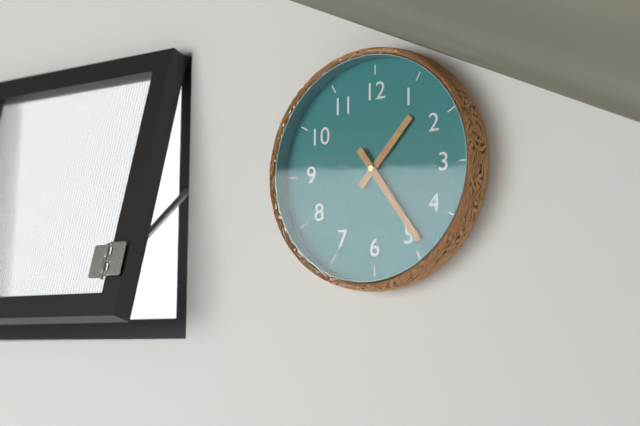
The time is 1,24
